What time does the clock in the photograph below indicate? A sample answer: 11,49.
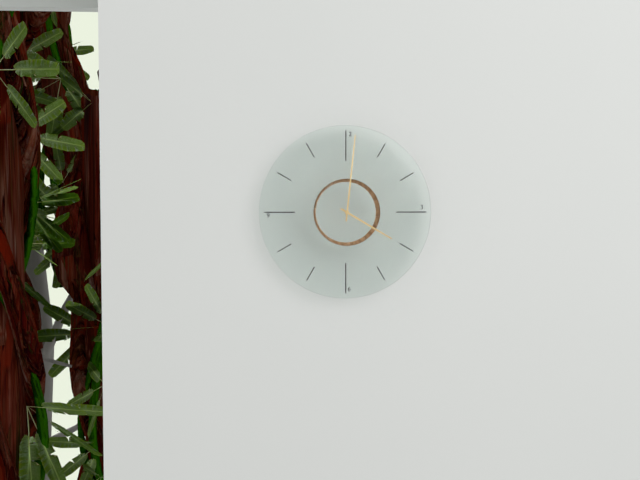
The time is 4,01
